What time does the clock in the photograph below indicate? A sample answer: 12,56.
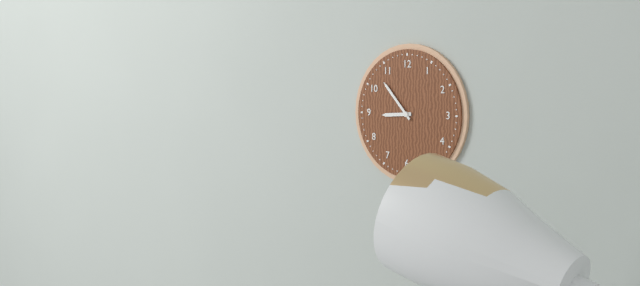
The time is 8,53
